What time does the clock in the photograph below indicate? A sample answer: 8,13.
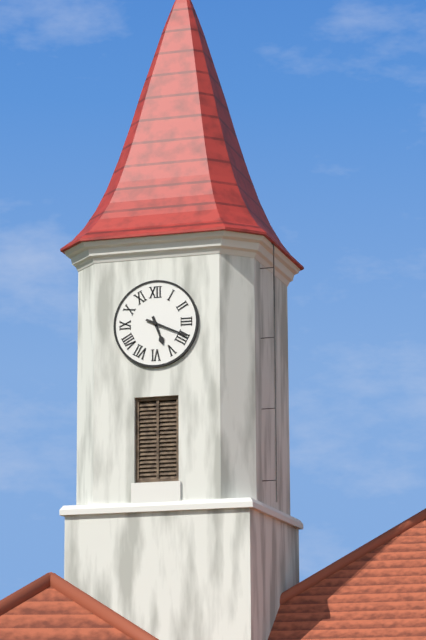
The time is 5,19
